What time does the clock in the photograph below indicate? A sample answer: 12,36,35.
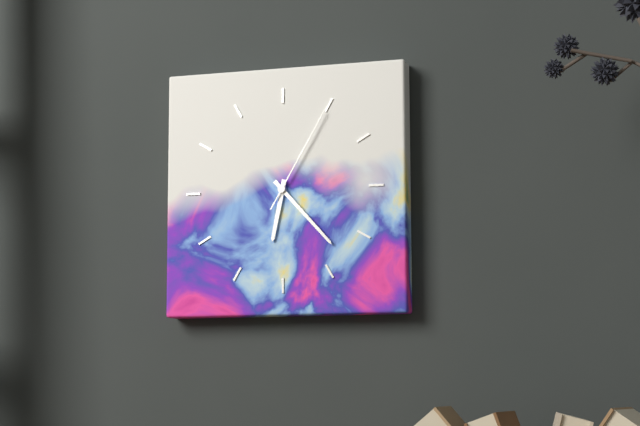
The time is 6,23,05
